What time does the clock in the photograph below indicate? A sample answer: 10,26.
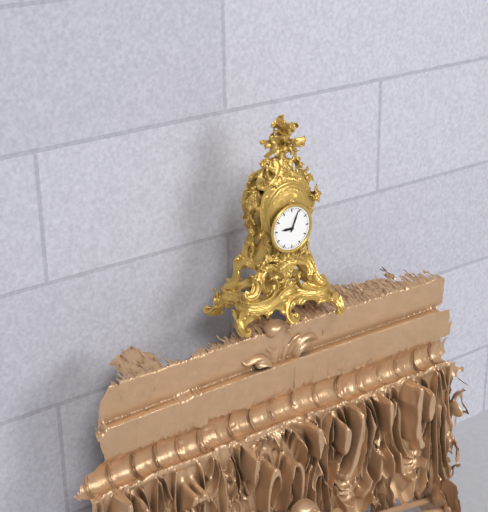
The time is 9,04
